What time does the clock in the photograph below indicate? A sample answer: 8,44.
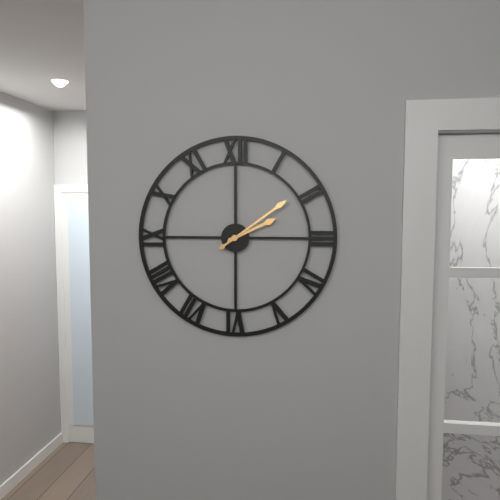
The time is 2,09
